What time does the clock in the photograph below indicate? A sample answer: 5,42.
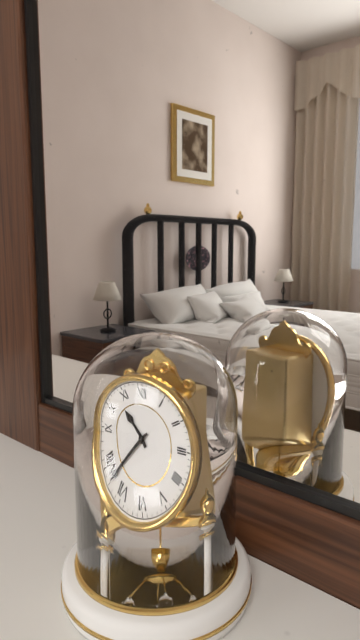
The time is 10,38
